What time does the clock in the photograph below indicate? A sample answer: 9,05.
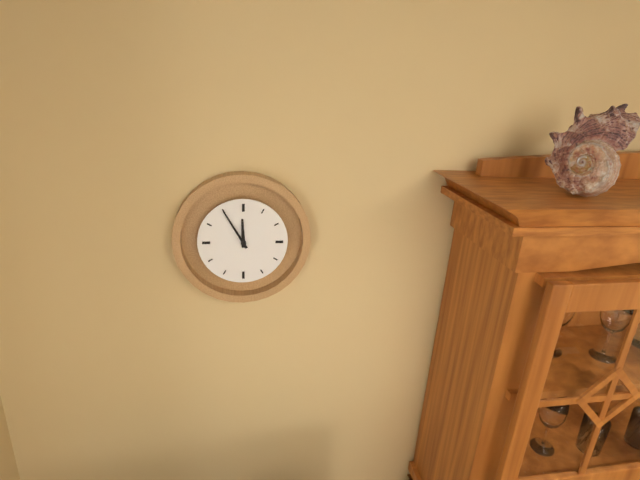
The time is 11,55
